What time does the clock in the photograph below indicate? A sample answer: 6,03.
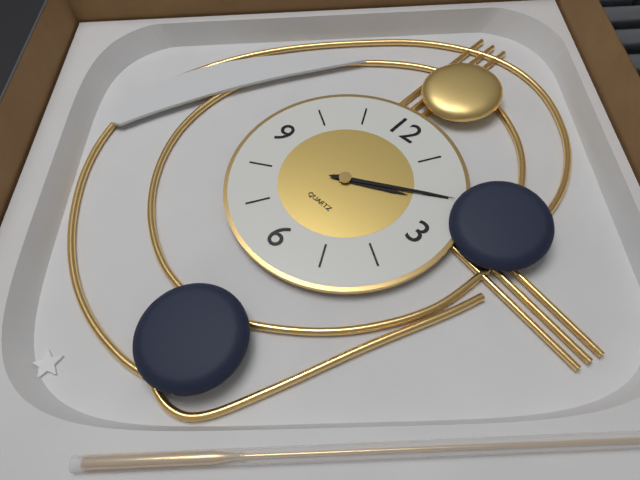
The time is 2,10
